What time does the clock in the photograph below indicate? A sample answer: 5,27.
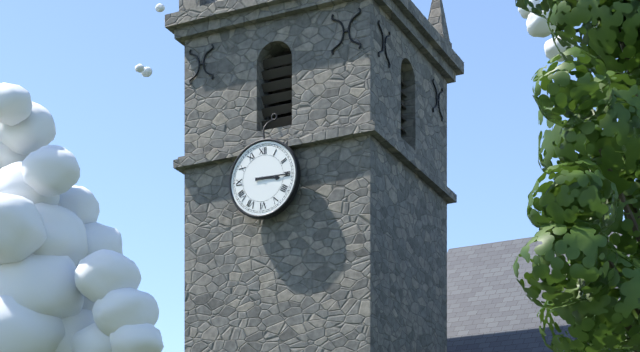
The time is 3,15
